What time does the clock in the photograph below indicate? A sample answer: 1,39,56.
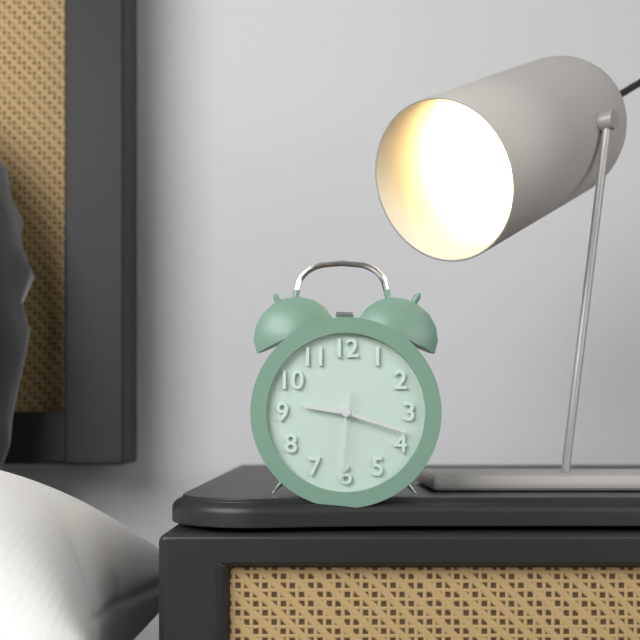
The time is 9,18,31
